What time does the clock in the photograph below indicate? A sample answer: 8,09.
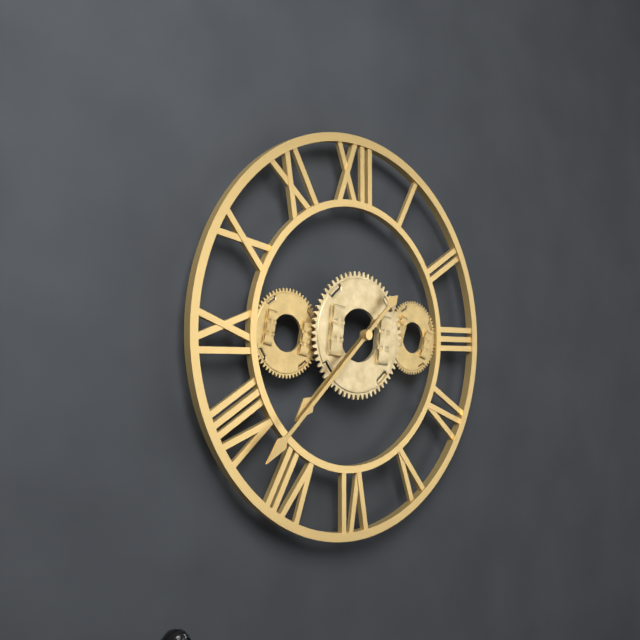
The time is 7,38
